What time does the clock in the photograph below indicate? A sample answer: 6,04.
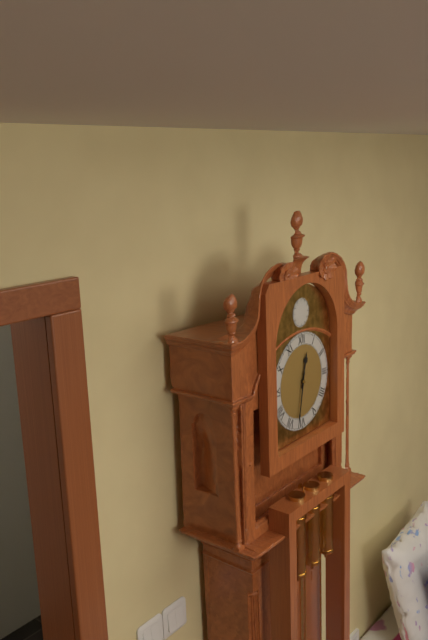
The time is 12,32
